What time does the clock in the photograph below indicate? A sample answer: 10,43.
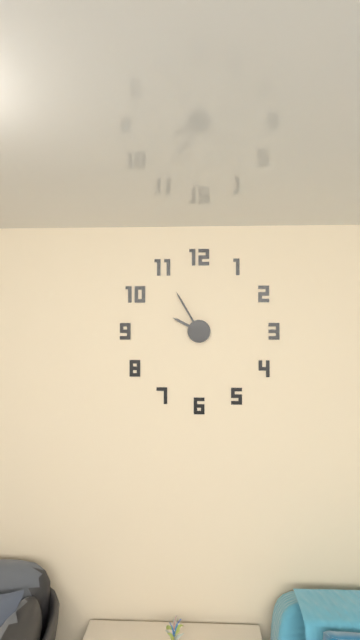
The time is 9,55
